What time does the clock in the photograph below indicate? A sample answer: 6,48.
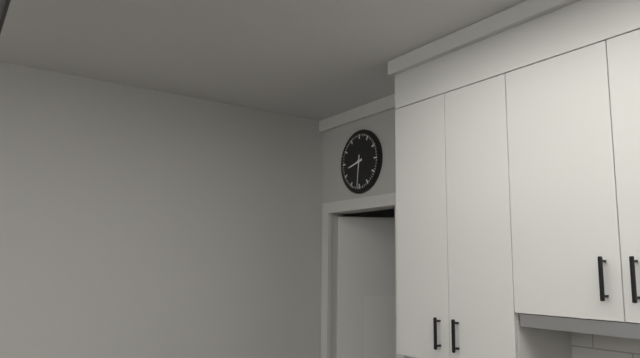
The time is 8,31
